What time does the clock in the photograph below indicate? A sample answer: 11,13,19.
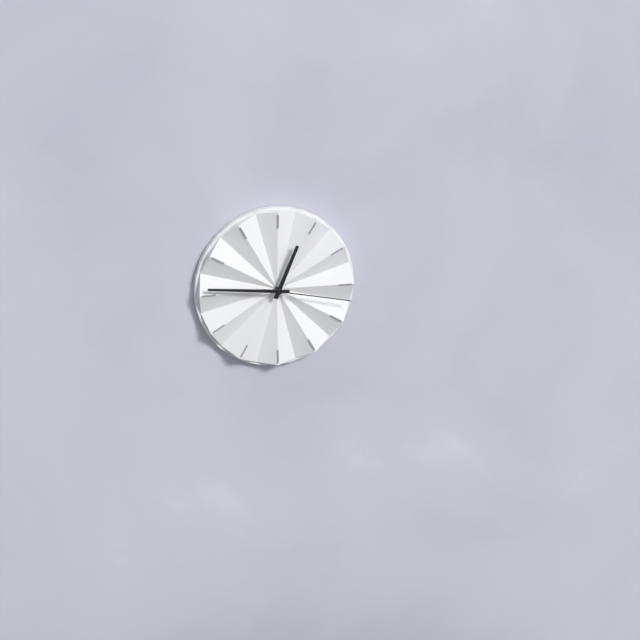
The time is 12,46,17
